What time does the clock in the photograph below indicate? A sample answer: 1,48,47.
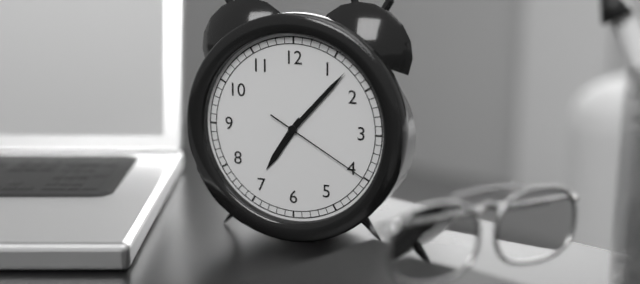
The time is 7,07,20
